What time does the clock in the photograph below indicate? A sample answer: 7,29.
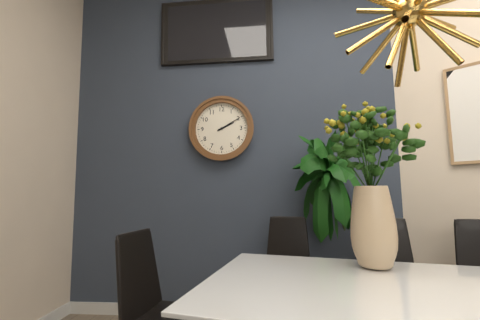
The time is 2,10
